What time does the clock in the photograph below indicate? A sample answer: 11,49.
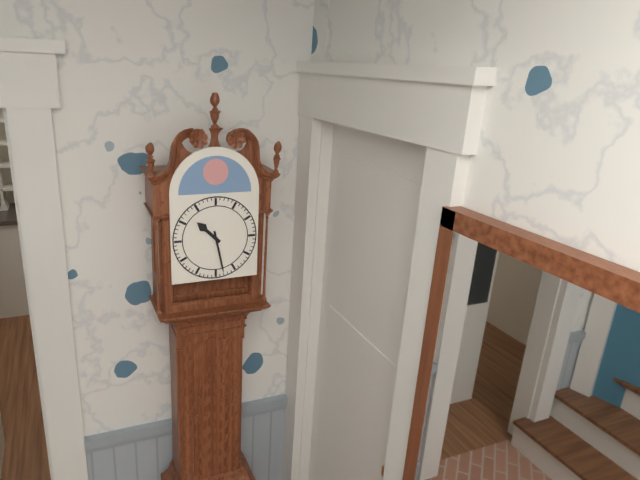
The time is 10,28
